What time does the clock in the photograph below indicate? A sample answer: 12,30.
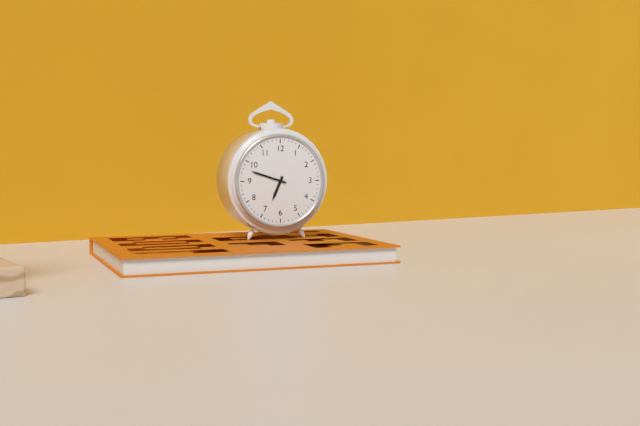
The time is 6,48
